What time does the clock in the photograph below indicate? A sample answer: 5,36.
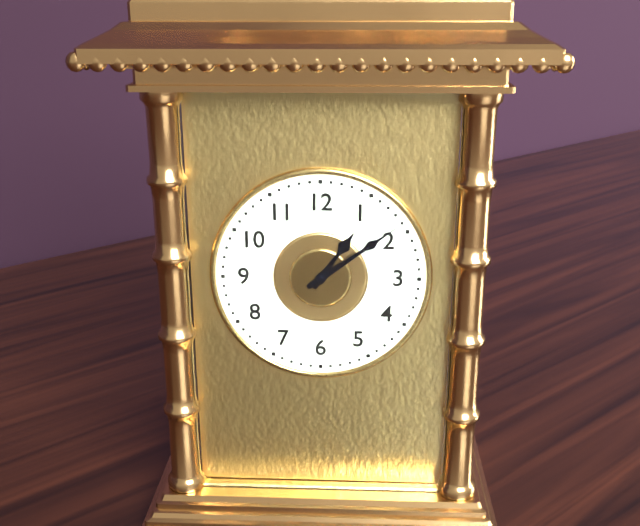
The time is 1,09
